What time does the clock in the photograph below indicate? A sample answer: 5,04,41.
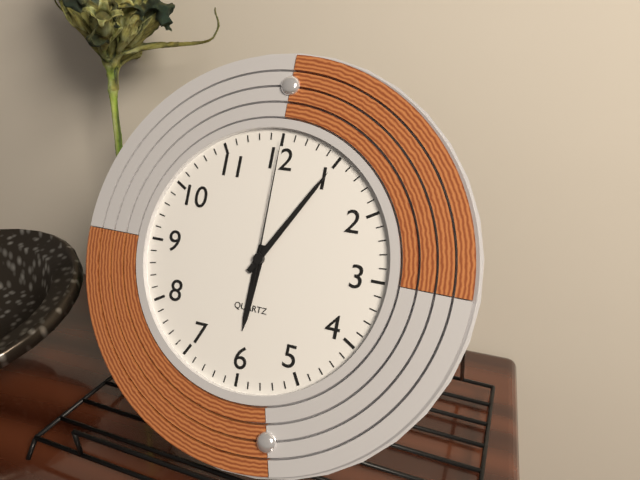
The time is 6,05,00
